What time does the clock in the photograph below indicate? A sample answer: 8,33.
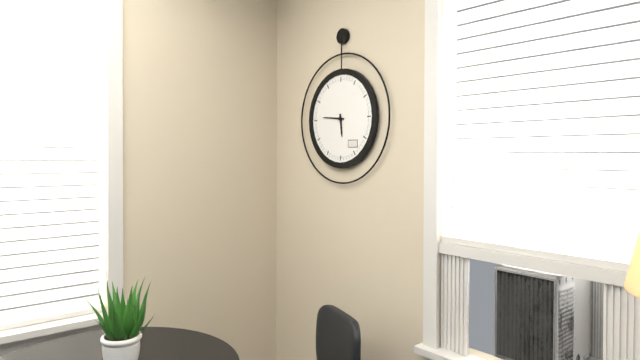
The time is 5,46
